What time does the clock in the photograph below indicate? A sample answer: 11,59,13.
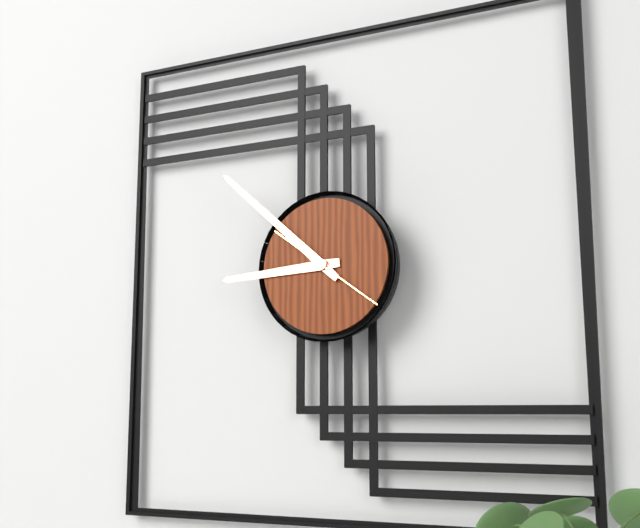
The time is 8,52,21
